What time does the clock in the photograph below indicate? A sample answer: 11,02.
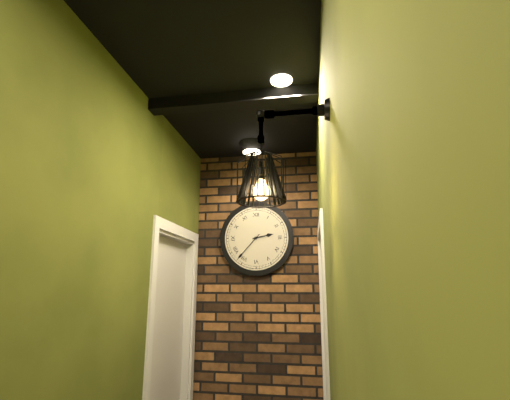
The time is 2,37
